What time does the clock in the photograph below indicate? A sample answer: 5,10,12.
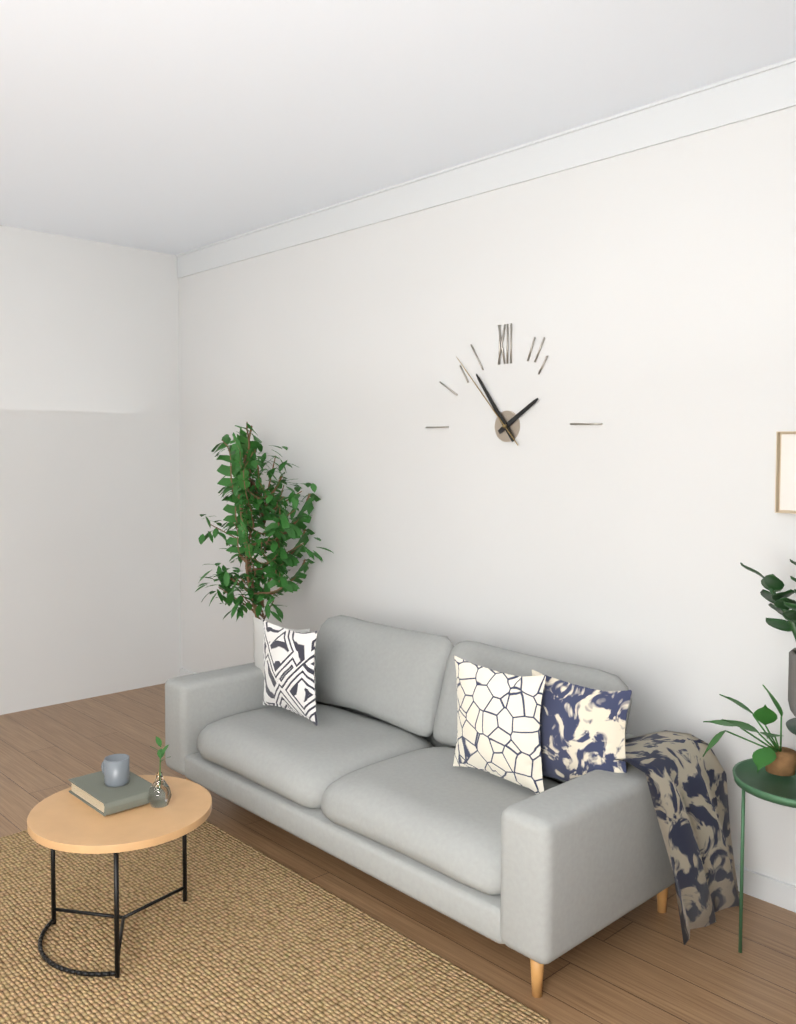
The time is 1,54,53
